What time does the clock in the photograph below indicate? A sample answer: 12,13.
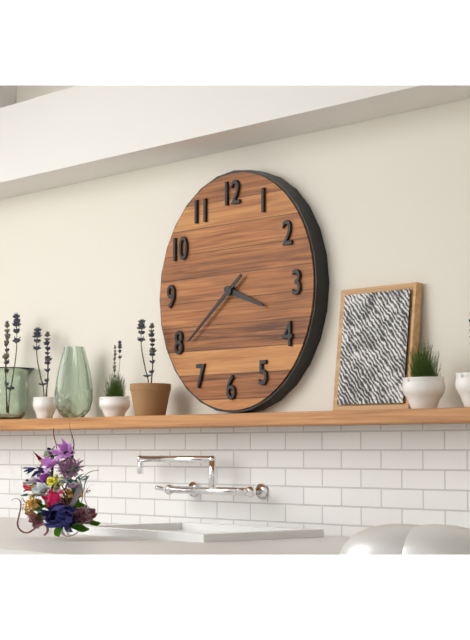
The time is 3,39
